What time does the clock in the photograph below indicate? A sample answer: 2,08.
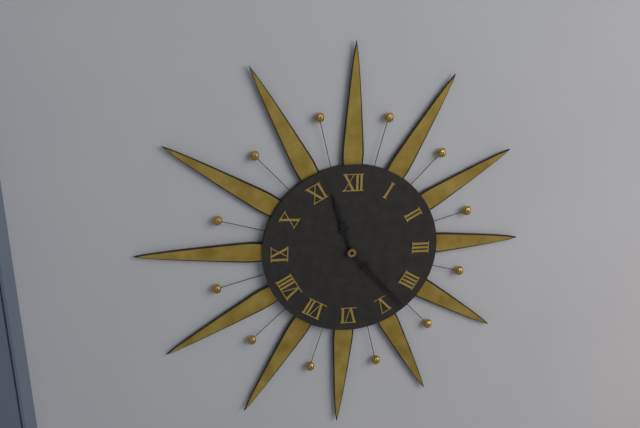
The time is 11,23
